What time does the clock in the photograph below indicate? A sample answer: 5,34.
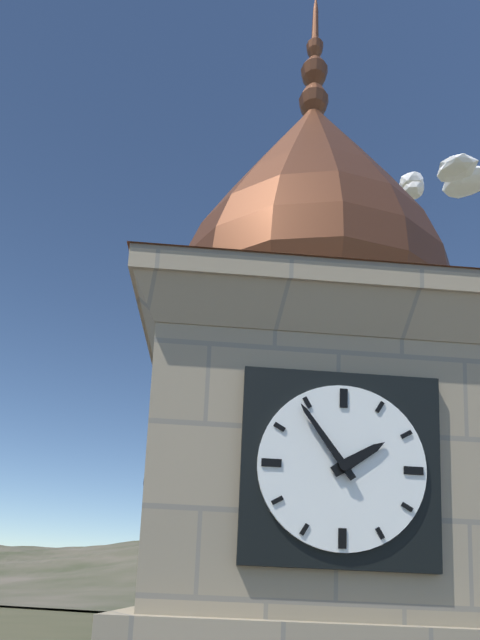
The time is 1,54
